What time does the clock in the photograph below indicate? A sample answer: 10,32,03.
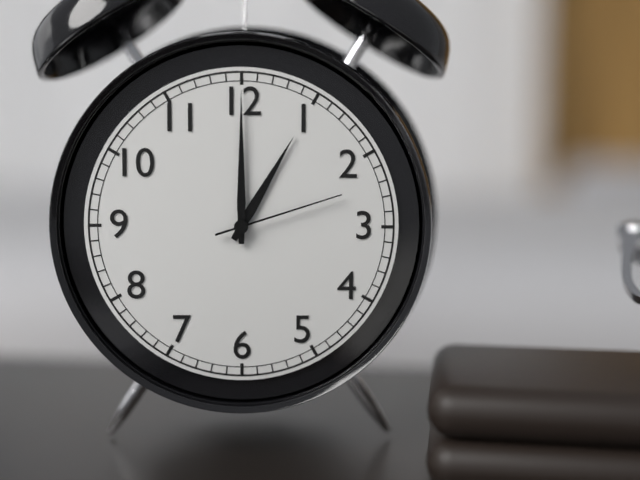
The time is 1,00,12
